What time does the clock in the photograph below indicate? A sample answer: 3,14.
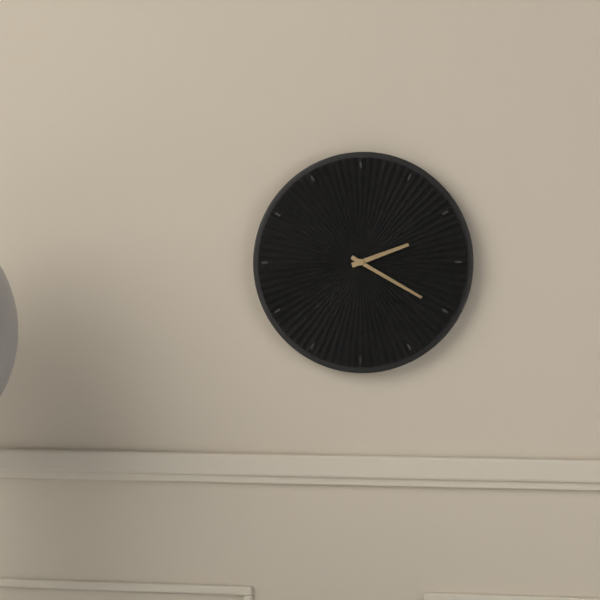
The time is 2,20
